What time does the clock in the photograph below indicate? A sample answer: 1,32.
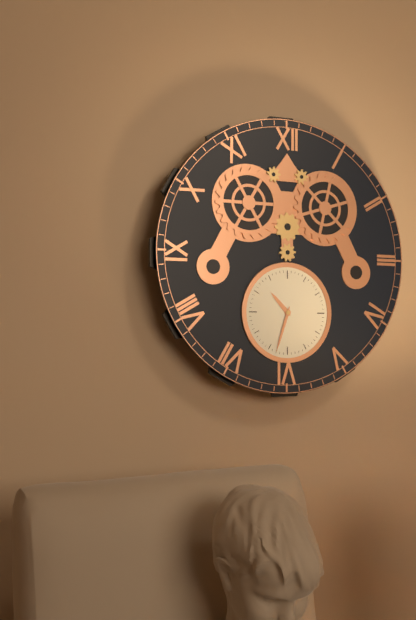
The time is 10,33
